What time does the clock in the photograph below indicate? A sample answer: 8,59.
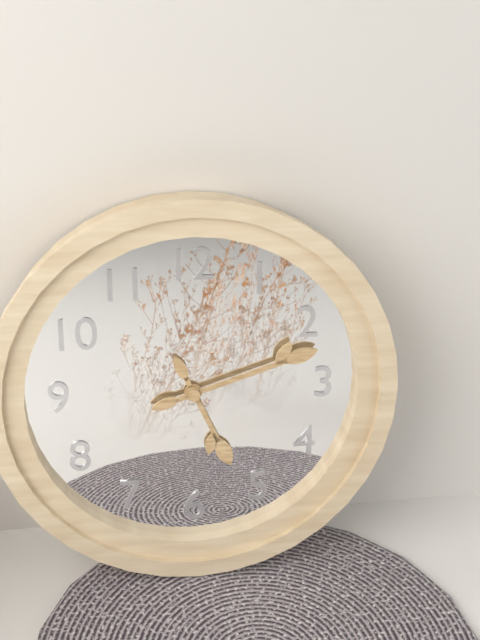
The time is 5,12
